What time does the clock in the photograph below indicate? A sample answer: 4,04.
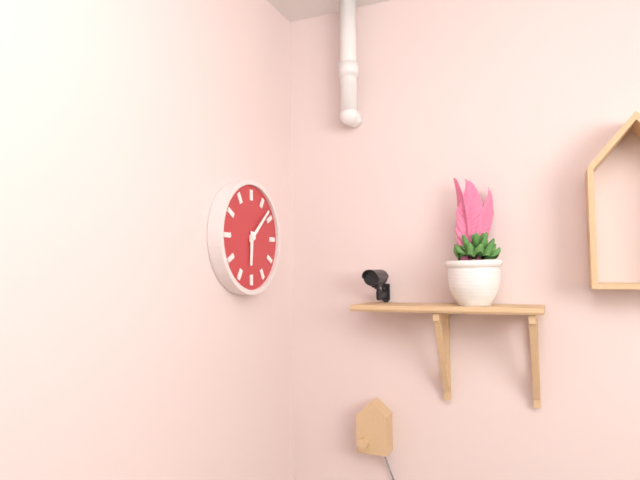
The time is 6,08
